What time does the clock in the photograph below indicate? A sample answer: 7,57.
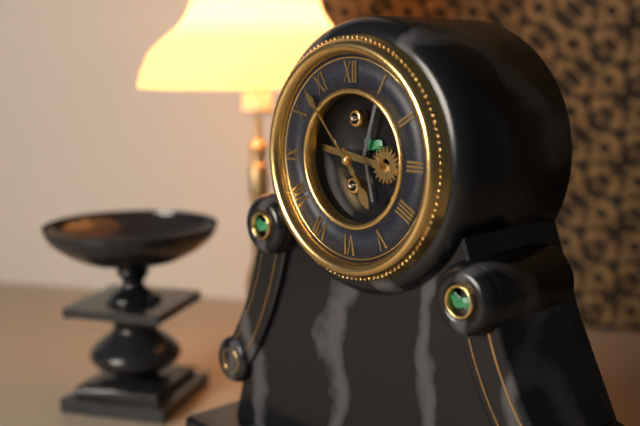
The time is 4,53
